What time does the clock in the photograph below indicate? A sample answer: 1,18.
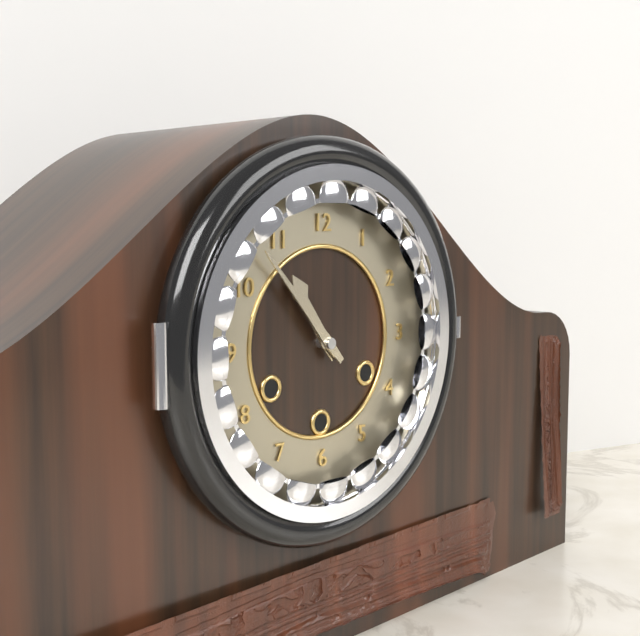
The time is 10,53
